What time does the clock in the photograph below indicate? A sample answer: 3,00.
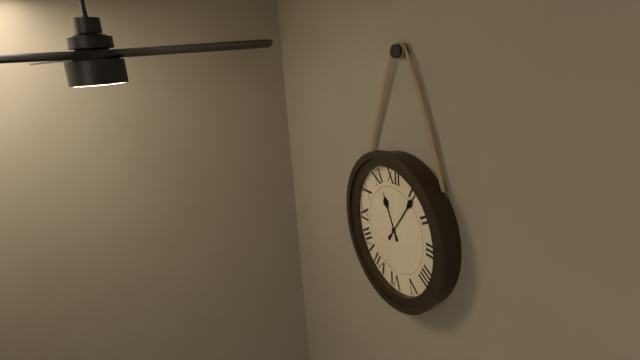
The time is 11,06
